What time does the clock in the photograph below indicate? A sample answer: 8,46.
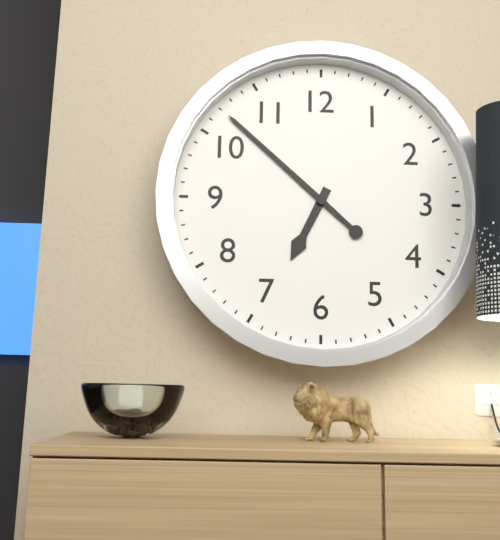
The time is 6,52
